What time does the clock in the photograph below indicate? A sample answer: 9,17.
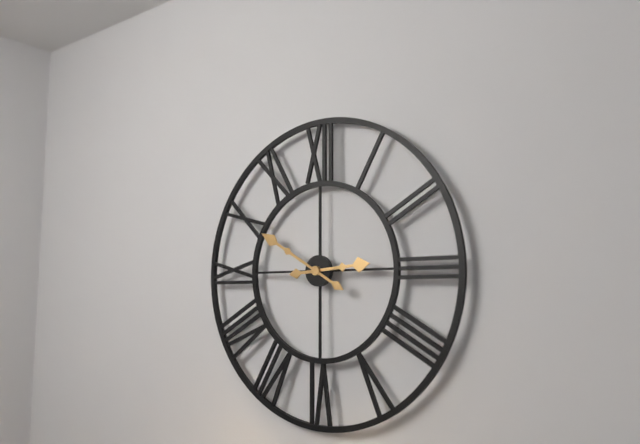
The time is 2,50
